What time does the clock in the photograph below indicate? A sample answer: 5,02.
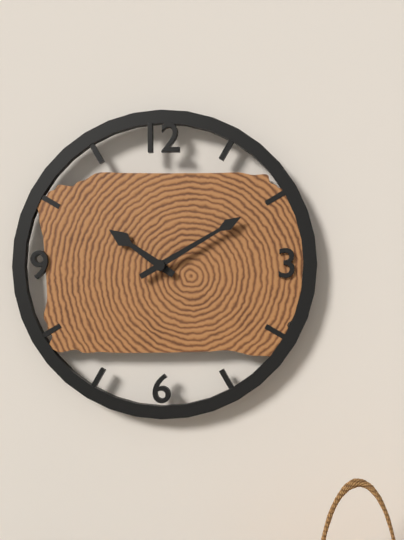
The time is 10,10
